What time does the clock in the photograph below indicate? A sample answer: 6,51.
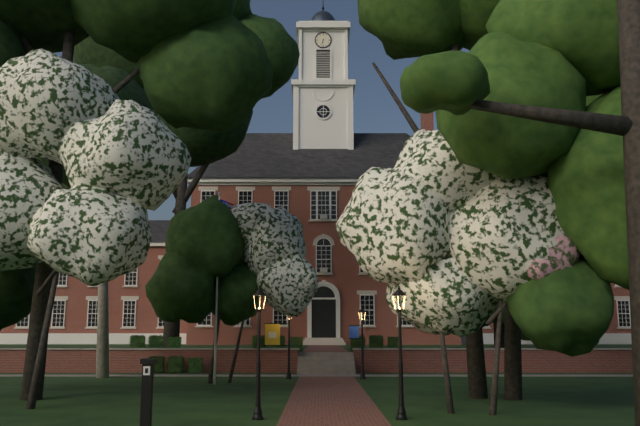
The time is 6,32
